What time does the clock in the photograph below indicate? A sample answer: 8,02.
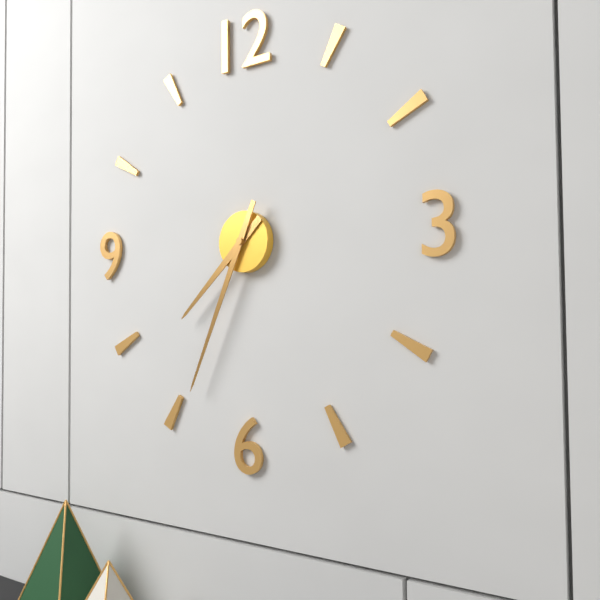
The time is 7,34
